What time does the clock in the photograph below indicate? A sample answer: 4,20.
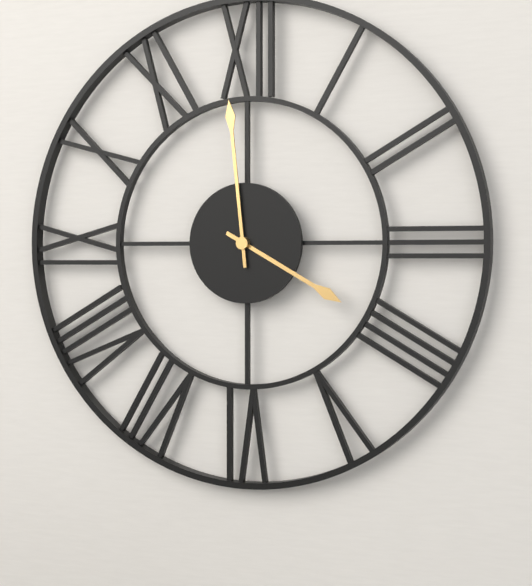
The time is 3,59
